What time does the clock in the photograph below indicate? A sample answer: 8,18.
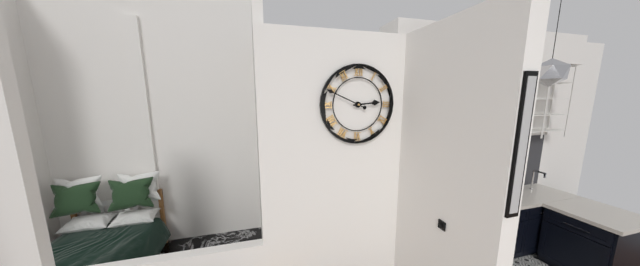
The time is 2,49
